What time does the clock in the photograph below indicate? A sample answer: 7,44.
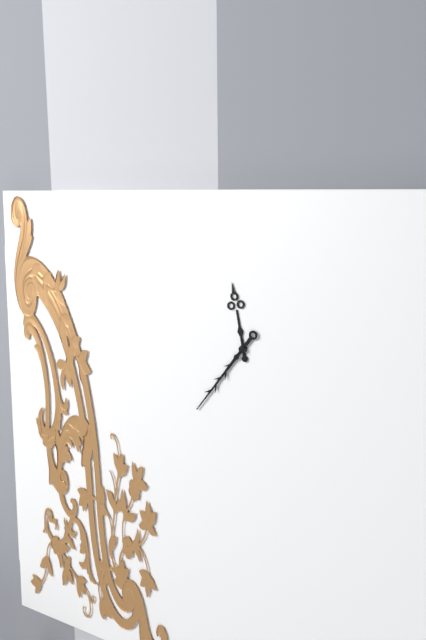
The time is 11,36
